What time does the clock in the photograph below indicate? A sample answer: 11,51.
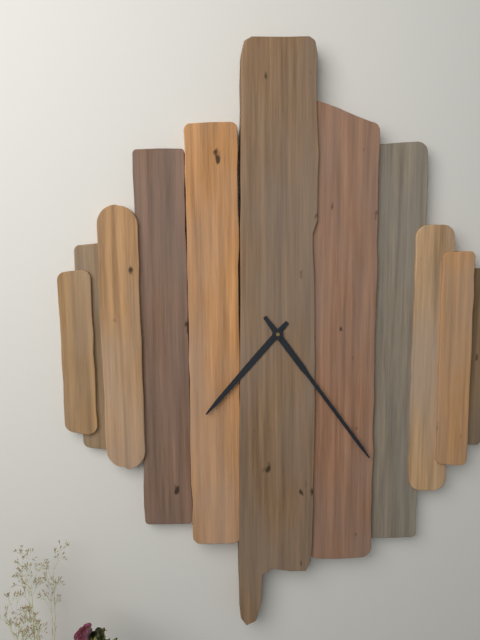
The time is 7,24
